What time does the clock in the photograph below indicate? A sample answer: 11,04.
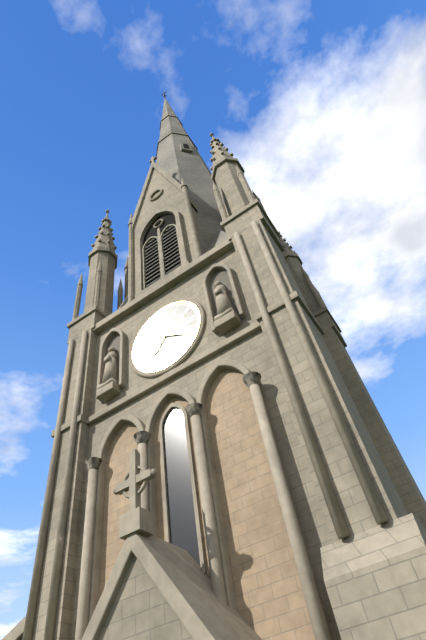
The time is 7,20
